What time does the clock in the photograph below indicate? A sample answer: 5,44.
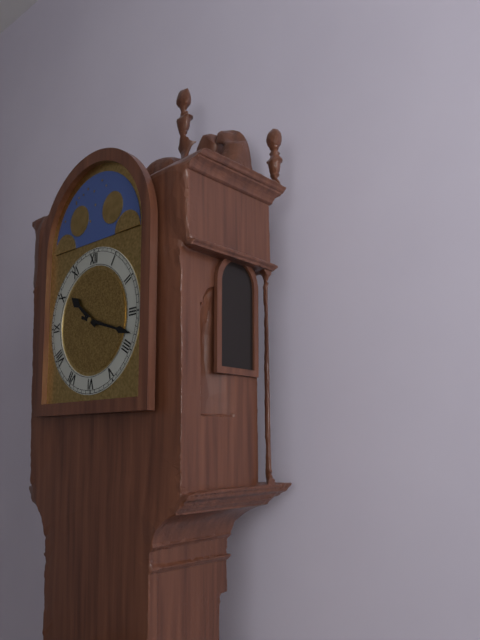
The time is 10,18
